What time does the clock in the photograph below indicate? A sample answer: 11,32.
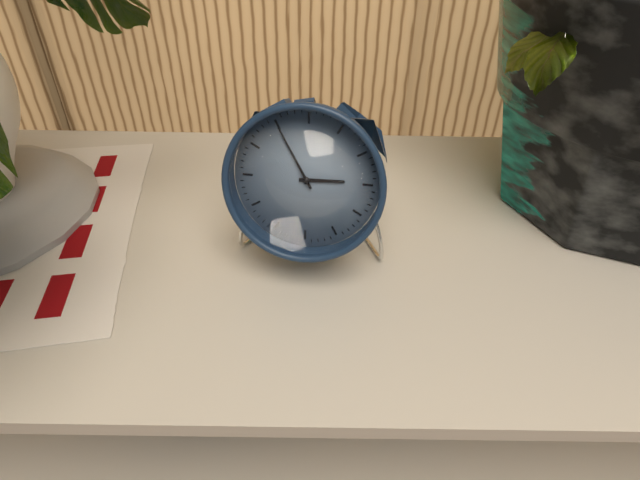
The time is 2,55
